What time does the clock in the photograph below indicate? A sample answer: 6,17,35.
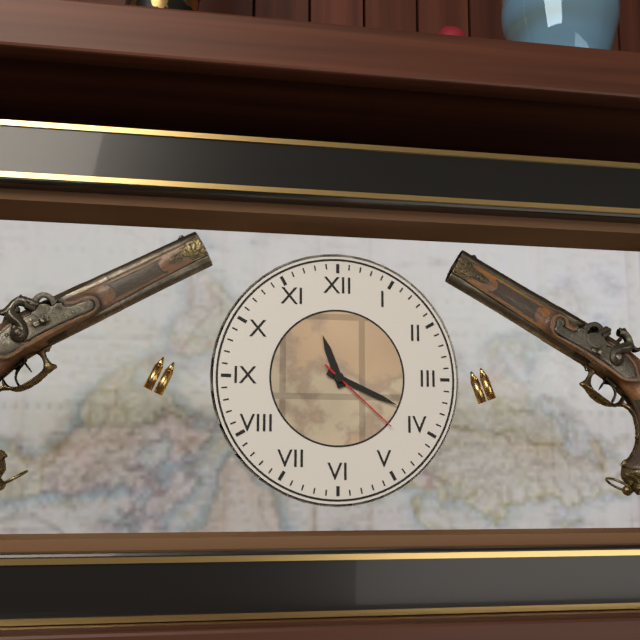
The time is 11,19,22
